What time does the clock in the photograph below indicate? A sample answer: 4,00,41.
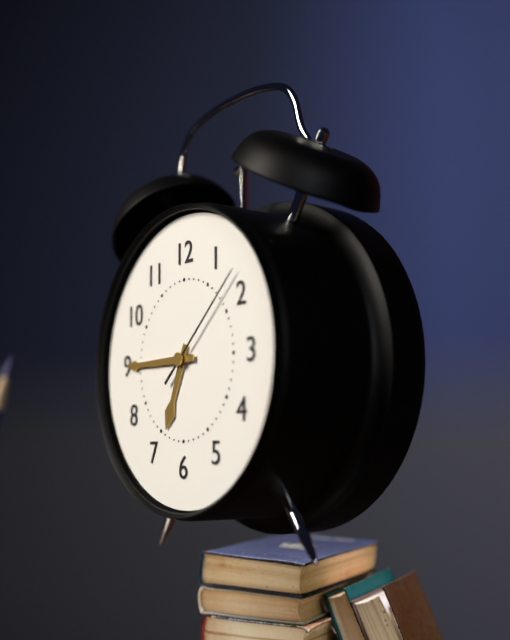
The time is 6,45,08
